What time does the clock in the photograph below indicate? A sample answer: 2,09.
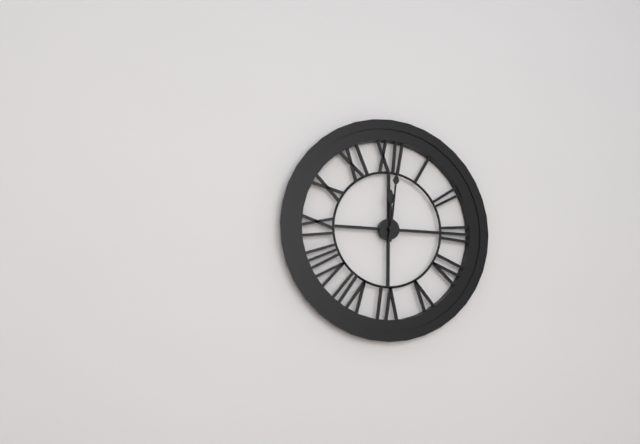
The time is 12,01
